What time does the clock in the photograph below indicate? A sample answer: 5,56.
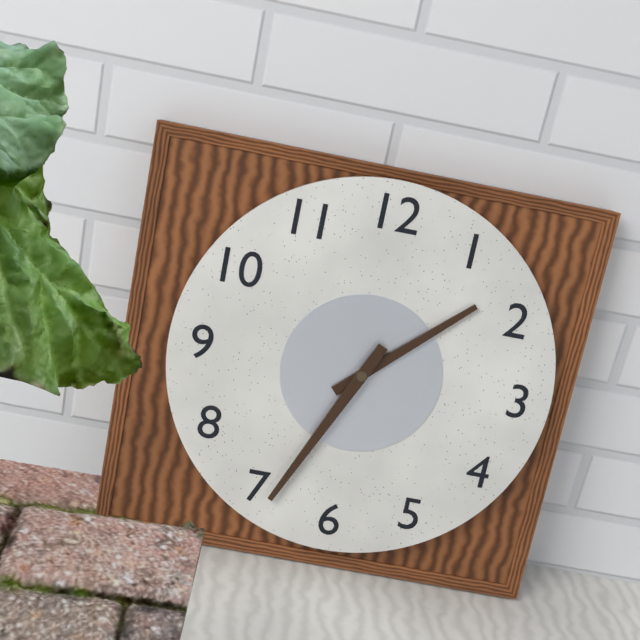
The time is 1,34
